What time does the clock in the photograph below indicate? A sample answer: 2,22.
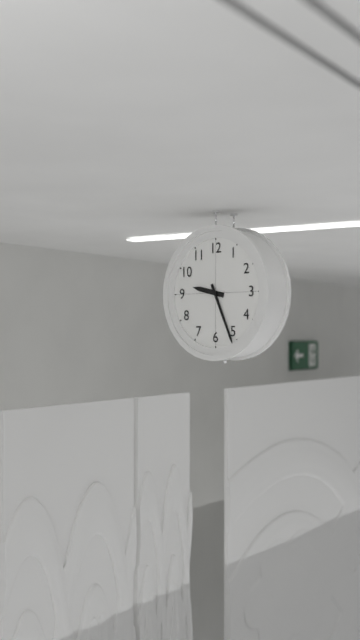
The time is 9,26
